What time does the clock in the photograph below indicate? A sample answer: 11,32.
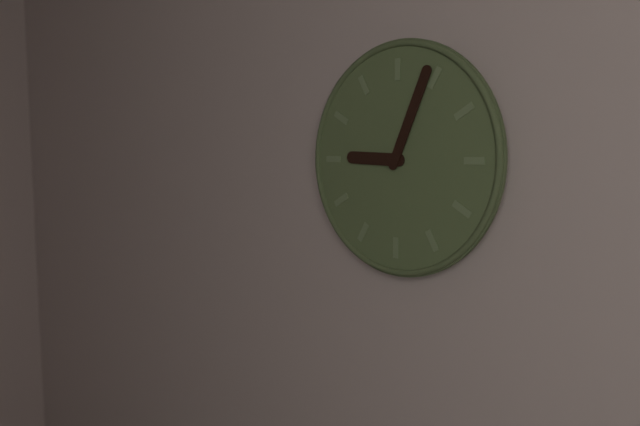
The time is 9,04
